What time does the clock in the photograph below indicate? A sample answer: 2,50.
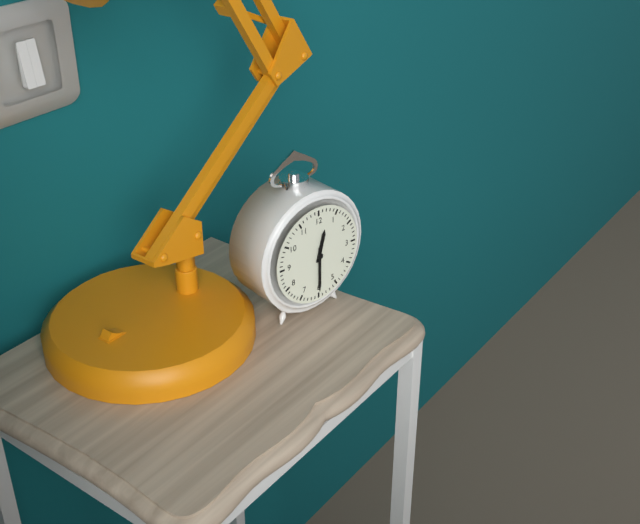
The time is 12,30
